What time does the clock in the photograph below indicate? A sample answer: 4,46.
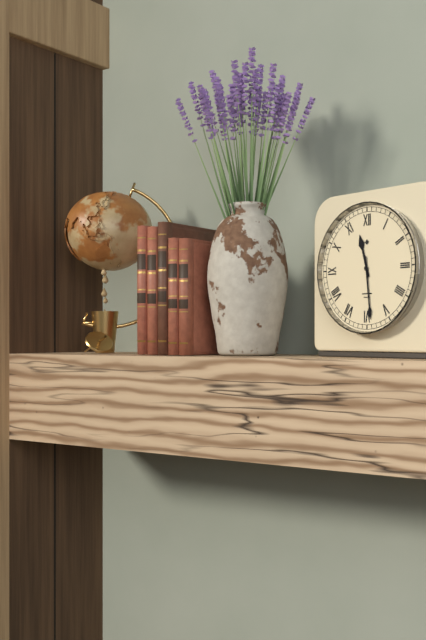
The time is 11,29
